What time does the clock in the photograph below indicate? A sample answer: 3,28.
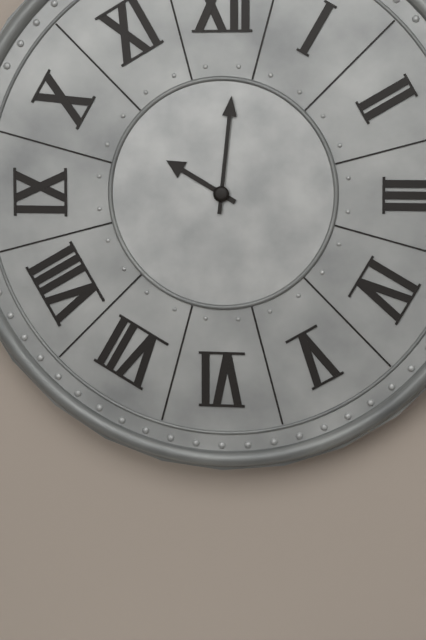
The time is 10,01
